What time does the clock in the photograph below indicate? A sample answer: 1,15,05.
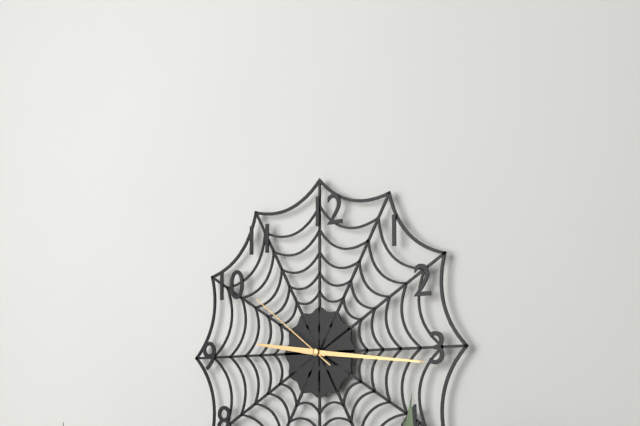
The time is 9,16,51
